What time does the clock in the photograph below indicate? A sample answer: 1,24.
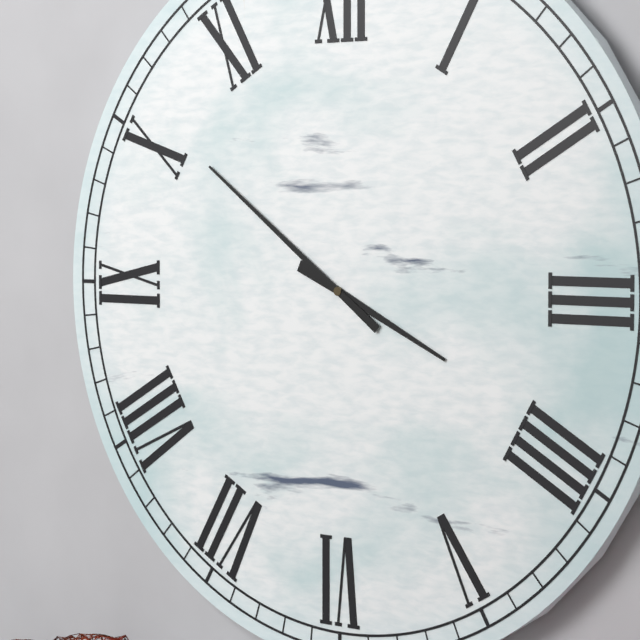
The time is 3,51
